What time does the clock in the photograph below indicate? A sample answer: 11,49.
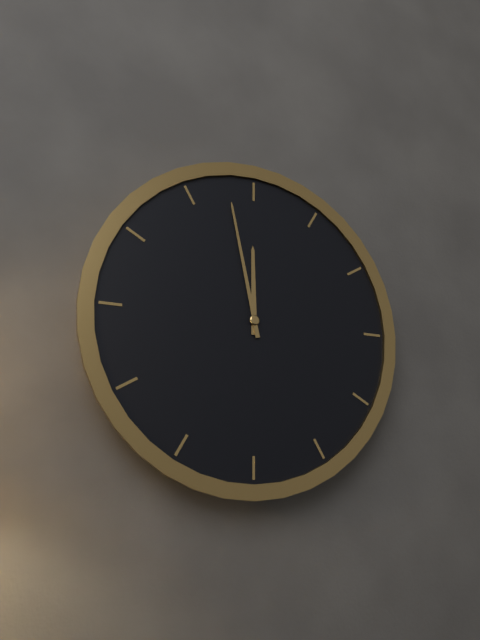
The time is 11,58
